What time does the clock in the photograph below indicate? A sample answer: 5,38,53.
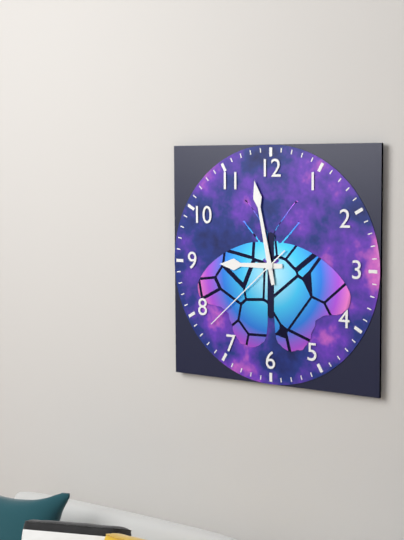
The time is 8,58,38
